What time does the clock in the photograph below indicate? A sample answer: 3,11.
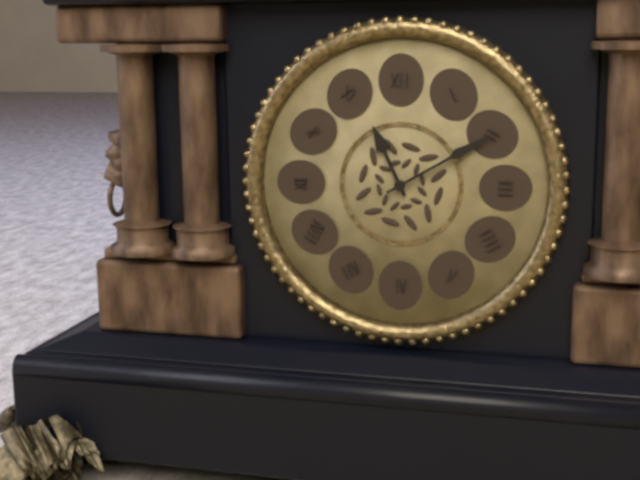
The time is 11,10
